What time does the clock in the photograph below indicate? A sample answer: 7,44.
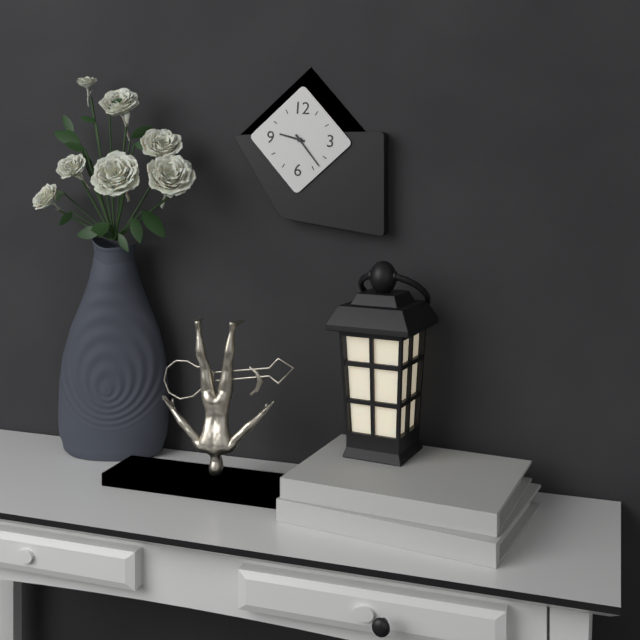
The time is 9,23
